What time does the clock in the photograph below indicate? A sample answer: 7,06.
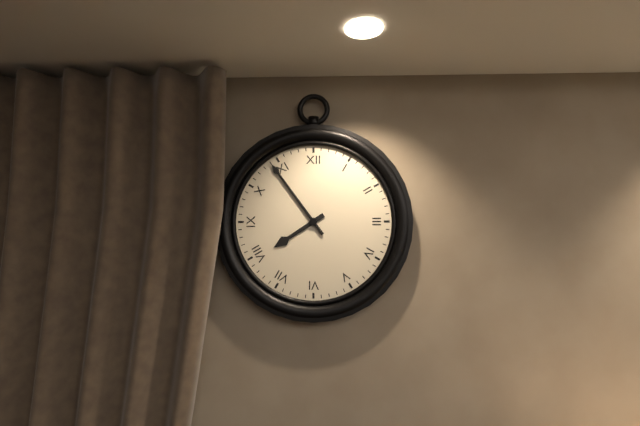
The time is 7,54
